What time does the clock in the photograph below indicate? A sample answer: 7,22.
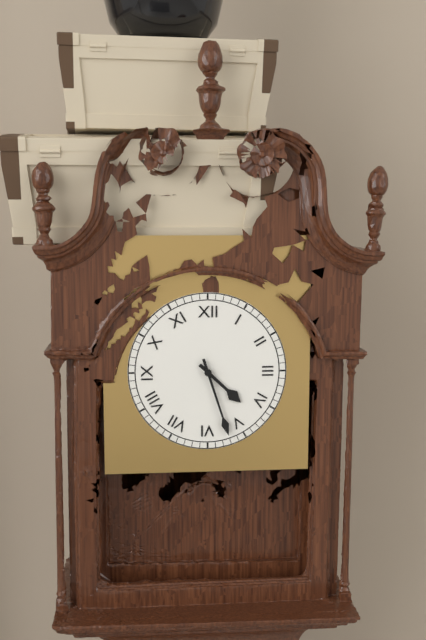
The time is 4,27
